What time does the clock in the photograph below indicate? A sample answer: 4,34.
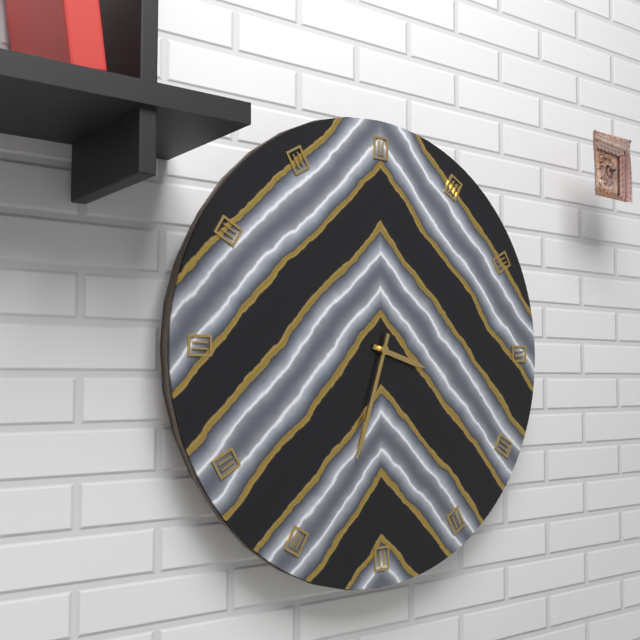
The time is 3,33
